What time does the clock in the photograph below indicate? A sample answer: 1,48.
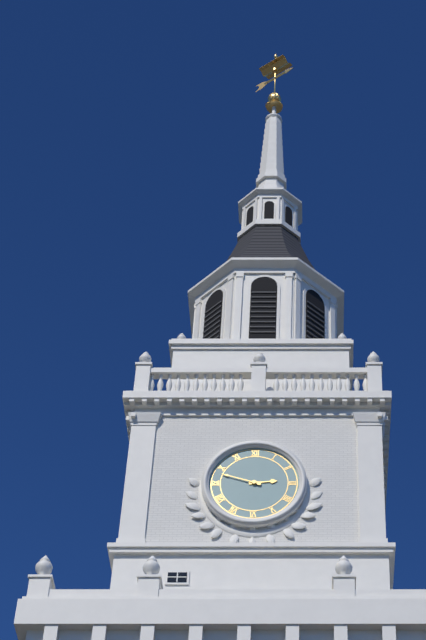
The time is 2,48
